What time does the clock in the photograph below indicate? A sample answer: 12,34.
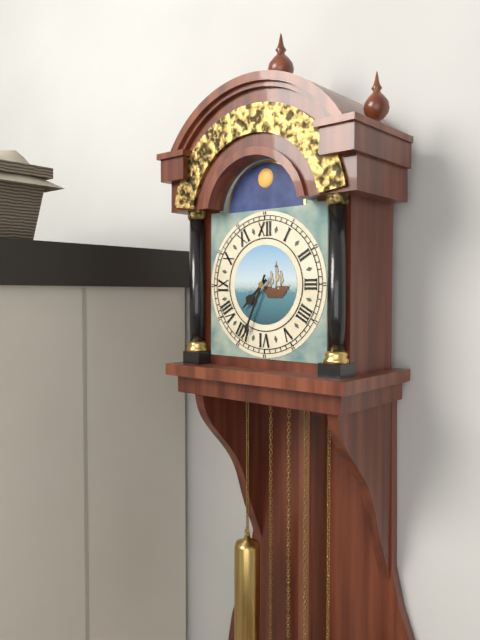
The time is 7,34
